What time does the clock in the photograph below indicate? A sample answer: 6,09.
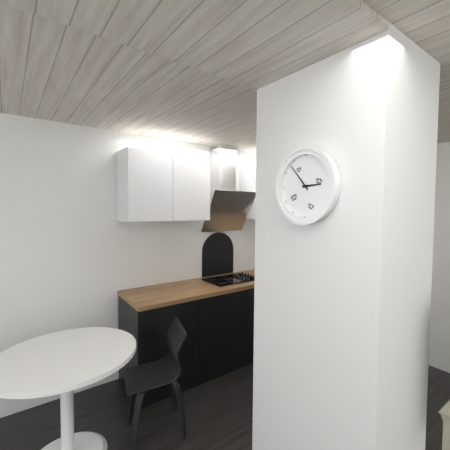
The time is 2,53
